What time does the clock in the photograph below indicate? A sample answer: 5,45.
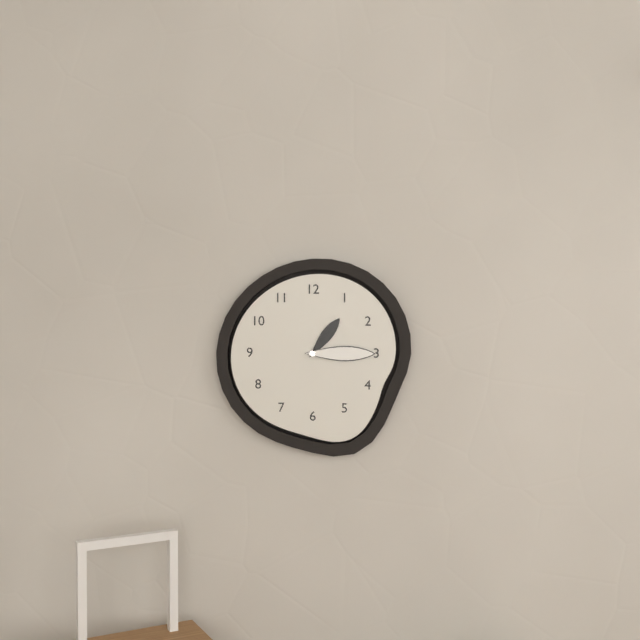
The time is 1,15
